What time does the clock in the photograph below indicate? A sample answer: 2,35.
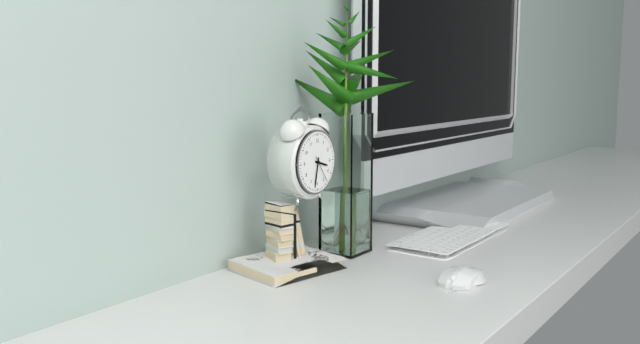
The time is 3,32
